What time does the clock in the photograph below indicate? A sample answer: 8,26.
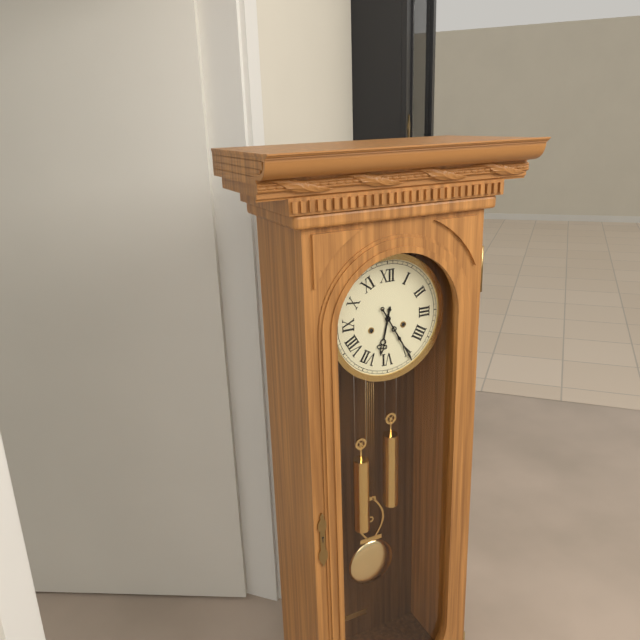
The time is 6,25
